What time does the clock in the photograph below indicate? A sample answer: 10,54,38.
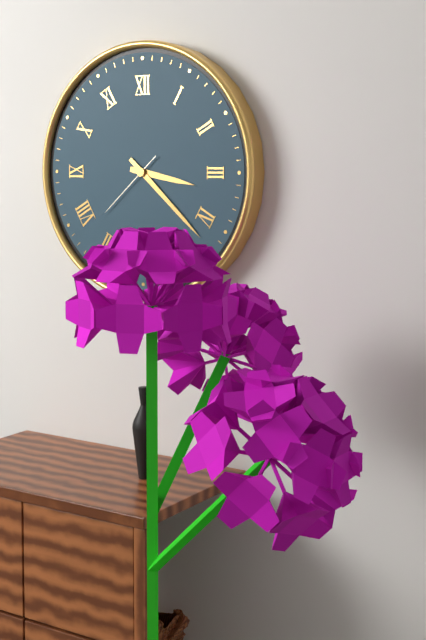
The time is 3,22,38
